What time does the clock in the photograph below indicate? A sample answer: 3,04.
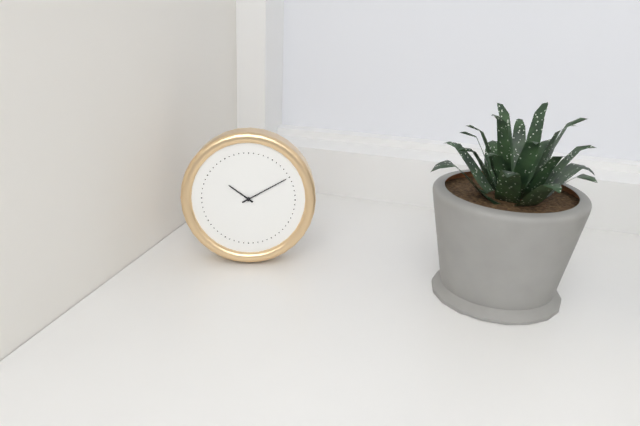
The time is 10,10
